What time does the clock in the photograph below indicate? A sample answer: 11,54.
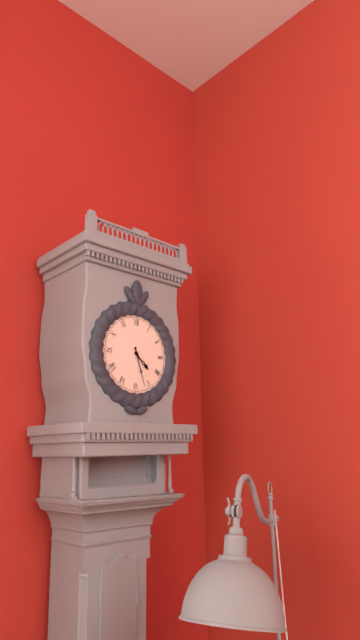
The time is 4,27
